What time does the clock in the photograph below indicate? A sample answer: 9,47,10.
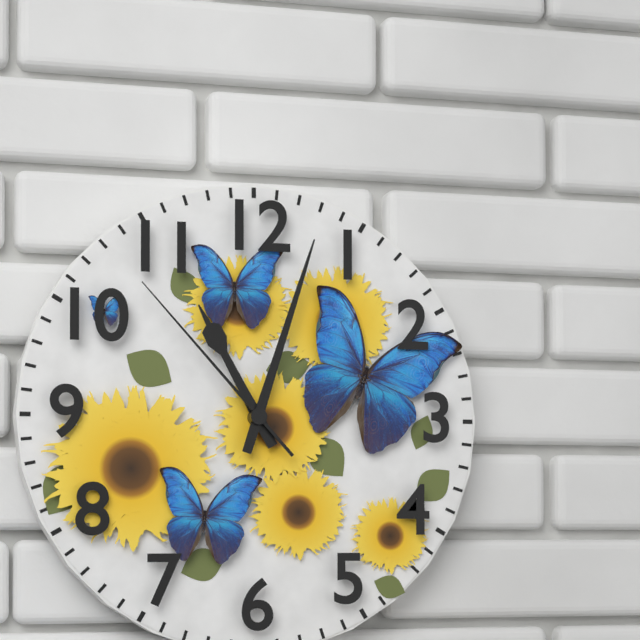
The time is 11,03,53
